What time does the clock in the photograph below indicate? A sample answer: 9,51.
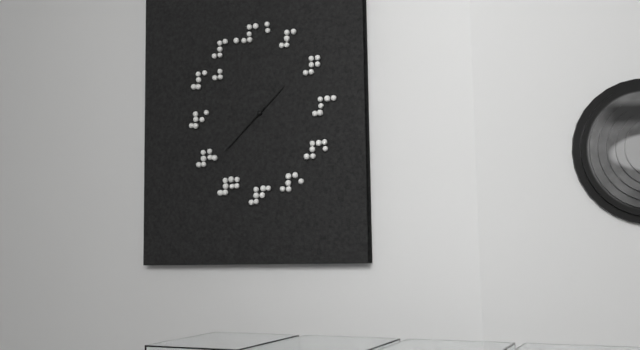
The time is 1,38
